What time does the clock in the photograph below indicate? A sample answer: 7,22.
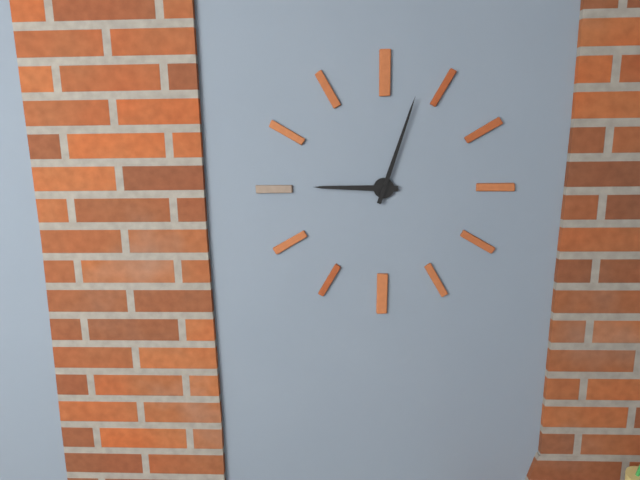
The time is 9,03
